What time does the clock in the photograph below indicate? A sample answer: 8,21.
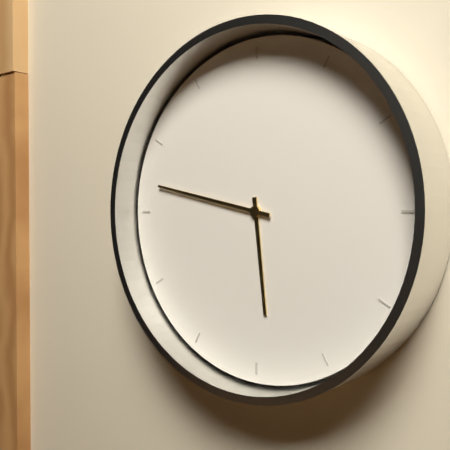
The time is 5,47
